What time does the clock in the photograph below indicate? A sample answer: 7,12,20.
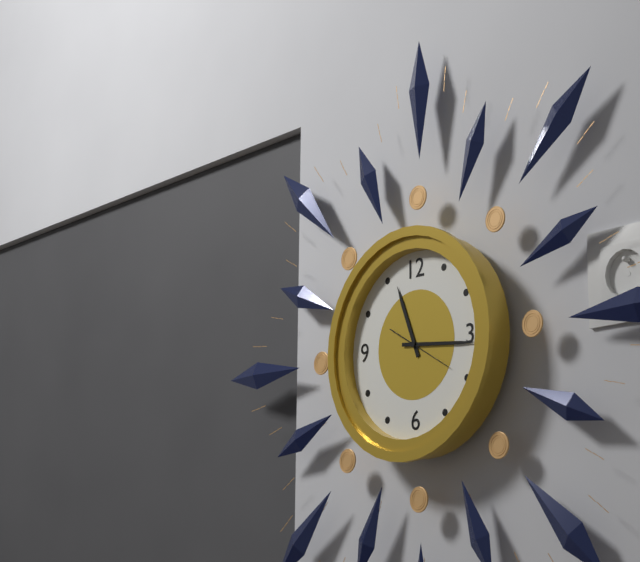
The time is 11,16,20
